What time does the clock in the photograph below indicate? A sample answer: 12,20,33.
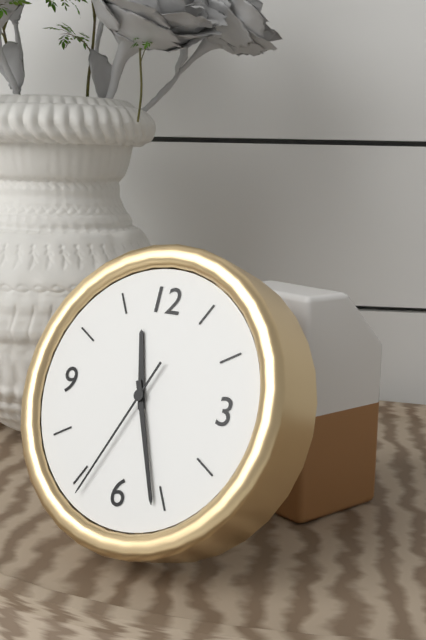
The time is 11,26,34
